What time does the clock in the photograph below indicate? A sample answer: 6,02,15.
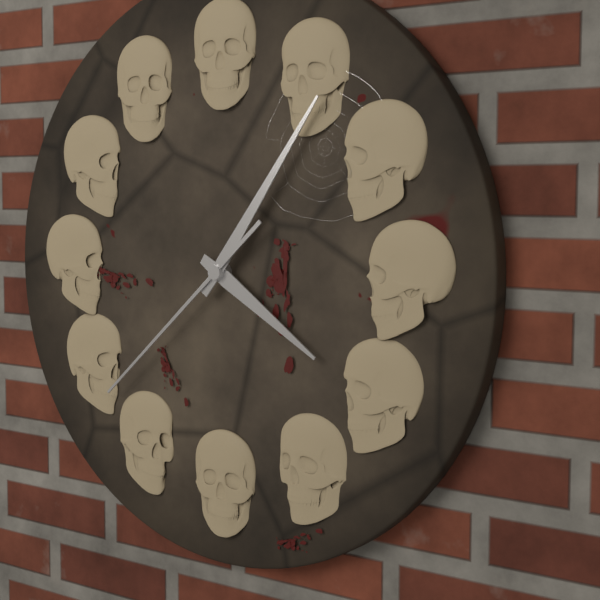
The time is 4,06,38
